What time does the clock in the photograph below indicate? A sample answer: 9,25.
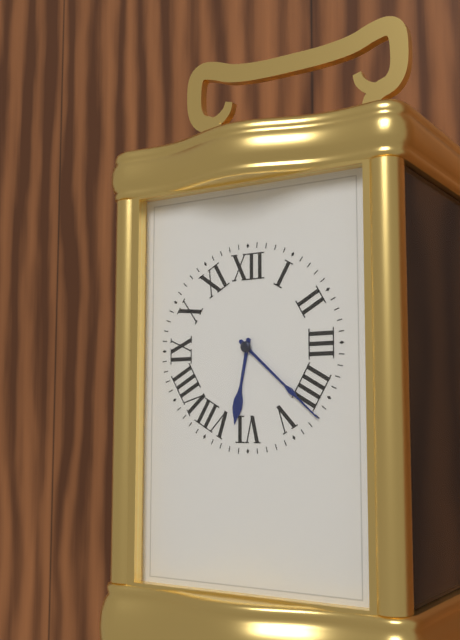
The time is 6,22
